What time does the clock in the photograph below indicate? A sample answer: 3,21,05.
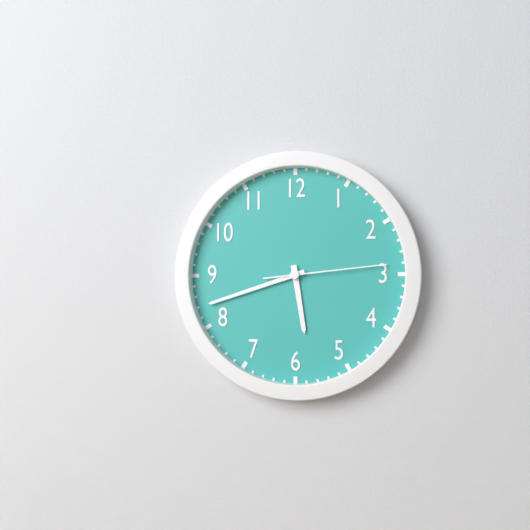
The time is 5,42,14
